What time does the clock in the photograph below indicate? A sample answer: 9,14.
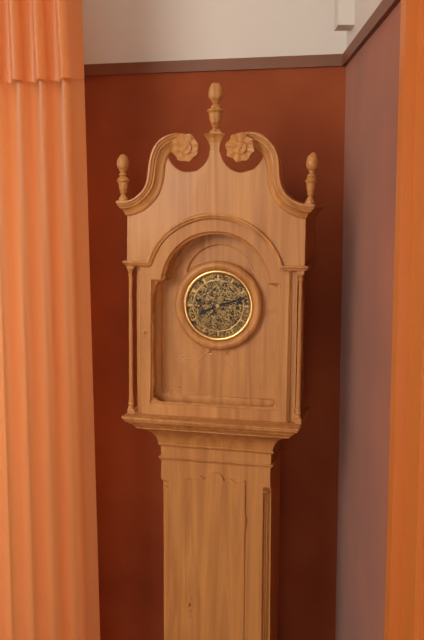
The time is 8,12
